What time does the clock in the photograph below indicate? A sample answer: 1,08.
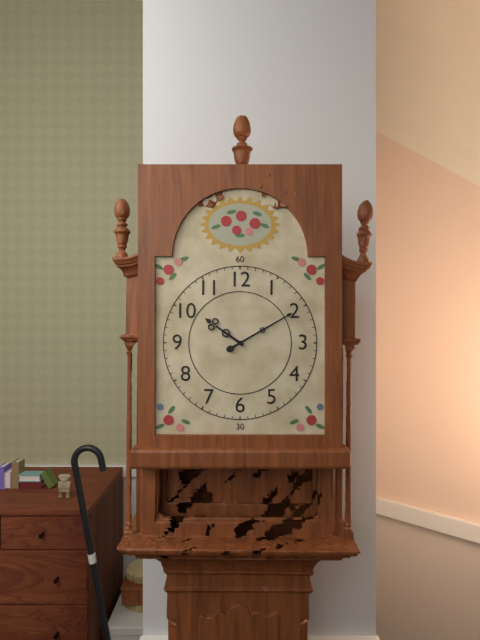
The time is 10,10
